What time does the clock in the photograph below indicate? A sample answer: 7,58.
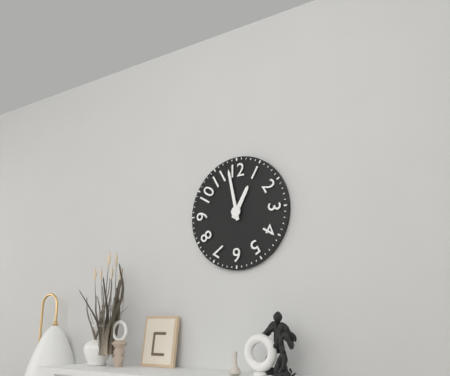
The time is 12,58
